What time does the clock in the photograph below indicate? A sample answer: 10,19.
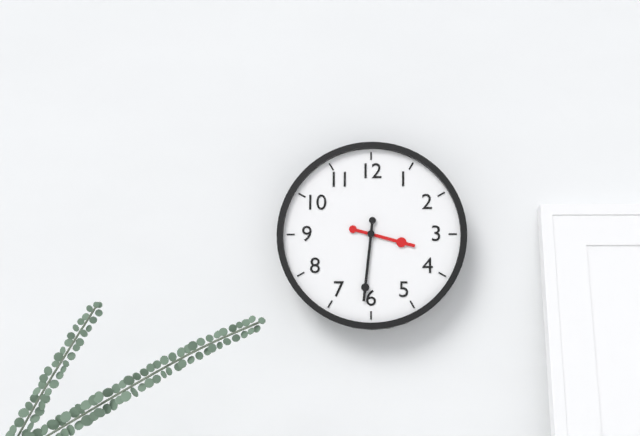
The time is 3,31
